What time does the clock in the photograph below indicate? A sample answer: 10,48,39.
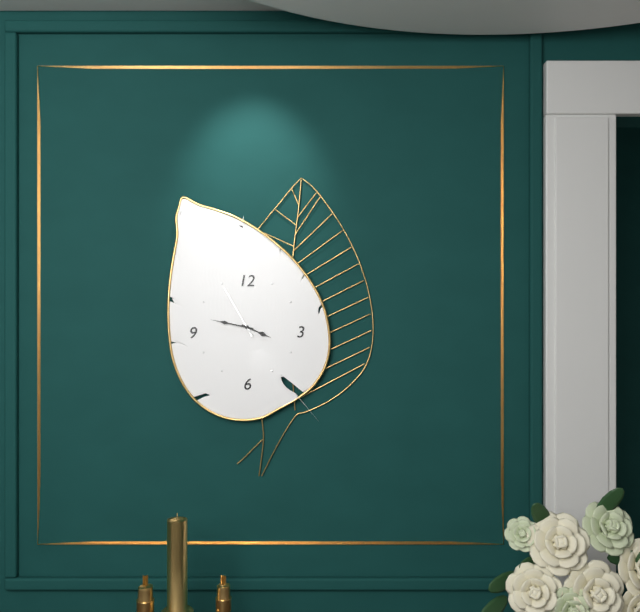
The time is 3,47,55
